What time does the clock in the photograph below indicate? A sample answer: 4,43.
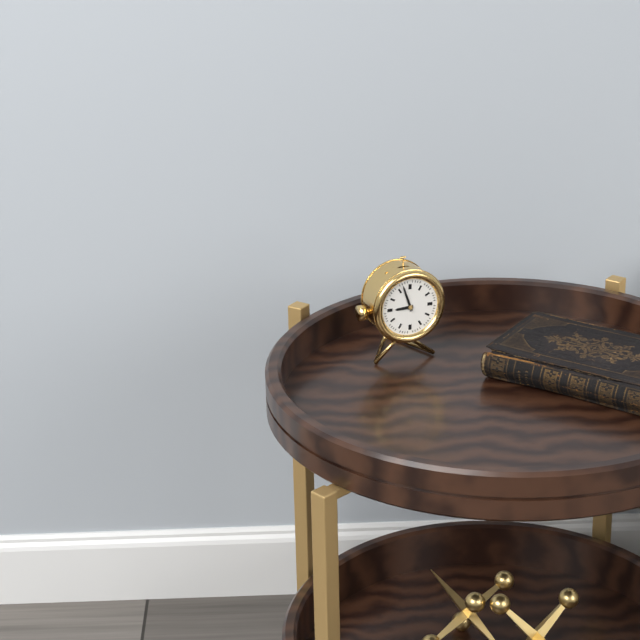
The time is 8,57
